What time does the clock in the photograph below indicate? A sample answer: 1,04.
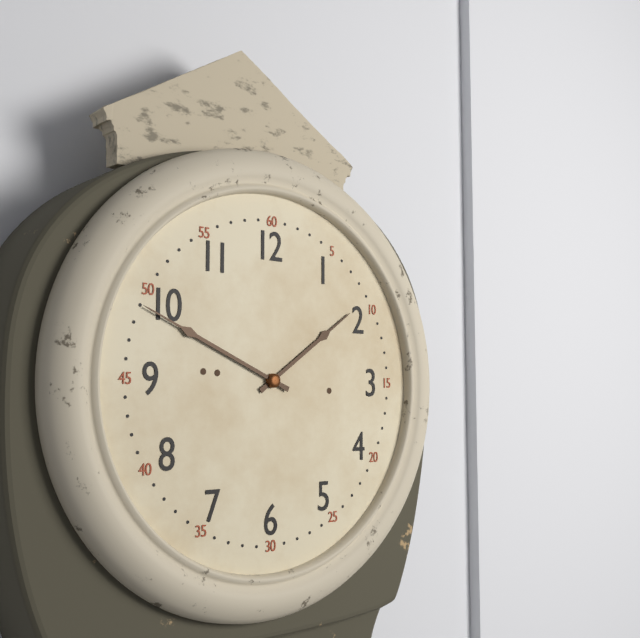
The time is 1,49
